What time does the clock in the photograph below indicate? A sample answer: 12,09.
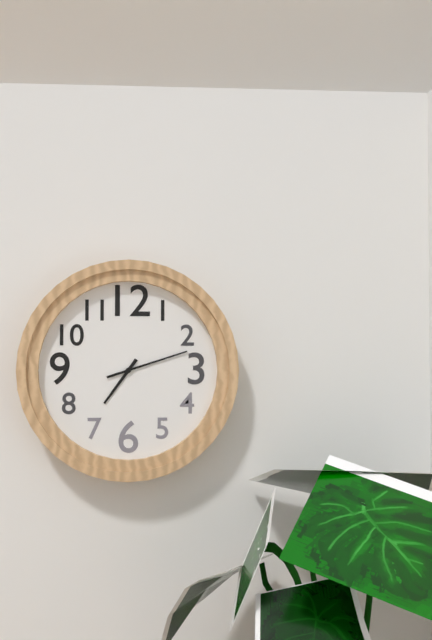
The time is 7,12
